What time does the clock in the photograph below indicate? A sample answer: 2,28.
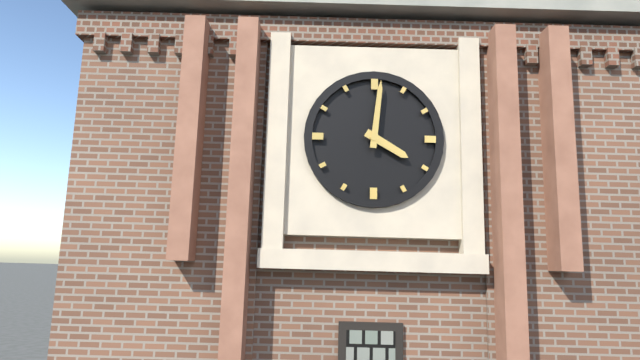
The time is 4,01
